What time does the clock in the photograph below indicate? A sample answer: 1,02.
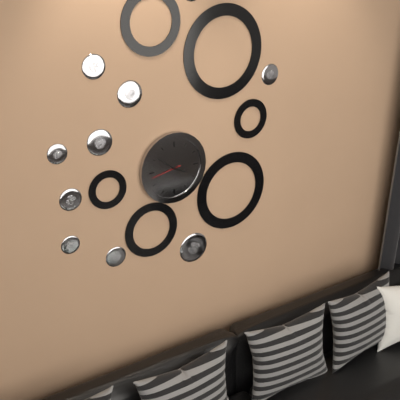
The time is 3,51
